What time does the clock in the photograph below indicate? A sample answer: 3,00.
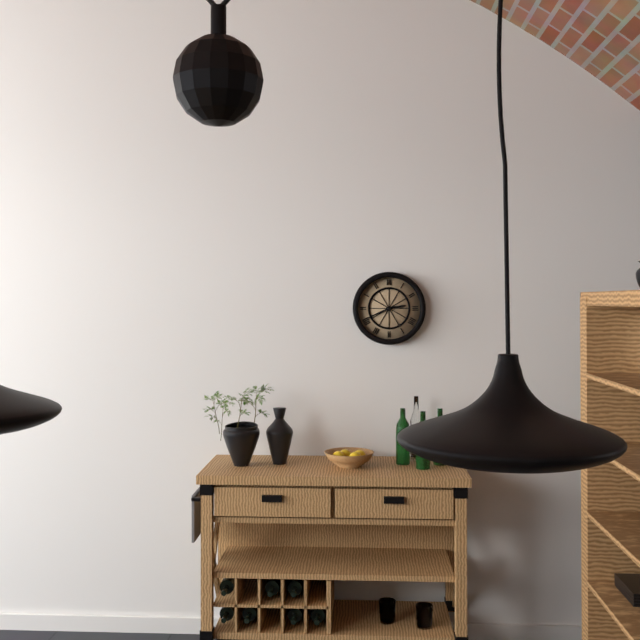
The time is 2,41
